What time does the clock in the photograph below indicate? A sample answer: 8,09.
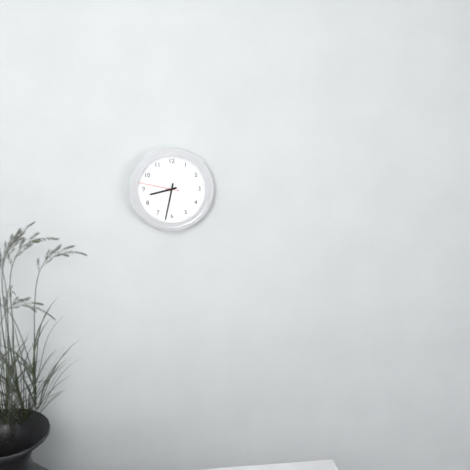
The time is 8,32
